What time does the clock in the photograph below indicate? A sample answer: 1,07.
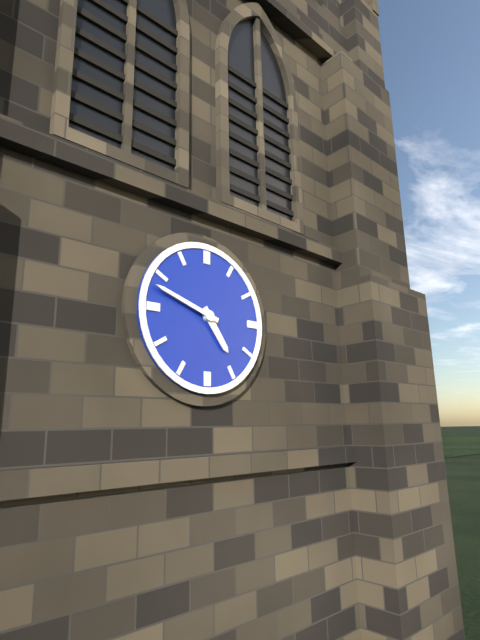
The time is 4,48
